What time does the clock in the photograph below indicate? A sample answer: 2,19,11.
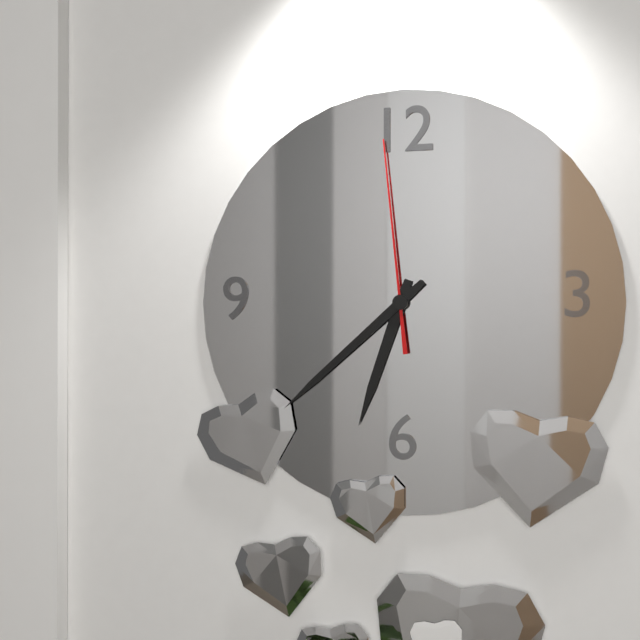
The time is 6,38,59
